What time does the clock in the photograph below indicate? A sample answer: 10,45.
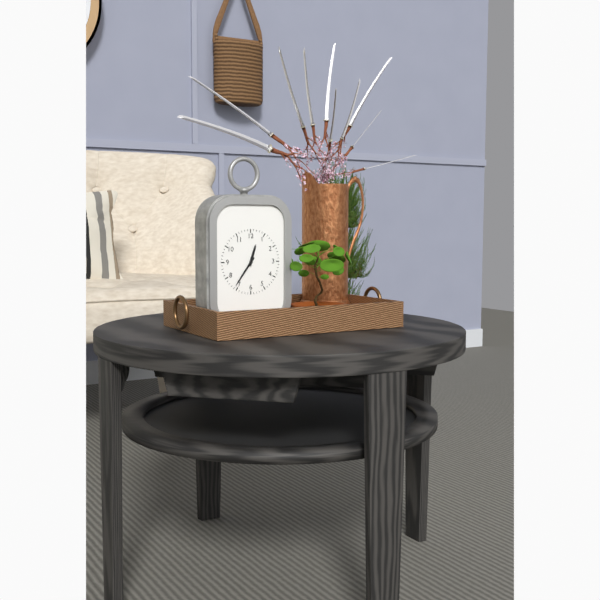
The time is 12,36
